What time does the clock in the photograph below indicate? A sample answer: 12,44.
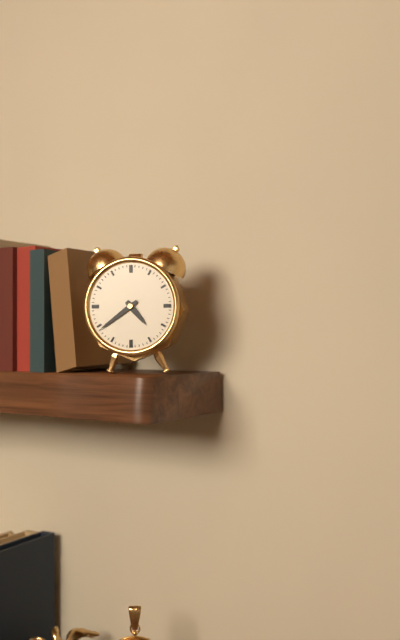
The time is 4,39
